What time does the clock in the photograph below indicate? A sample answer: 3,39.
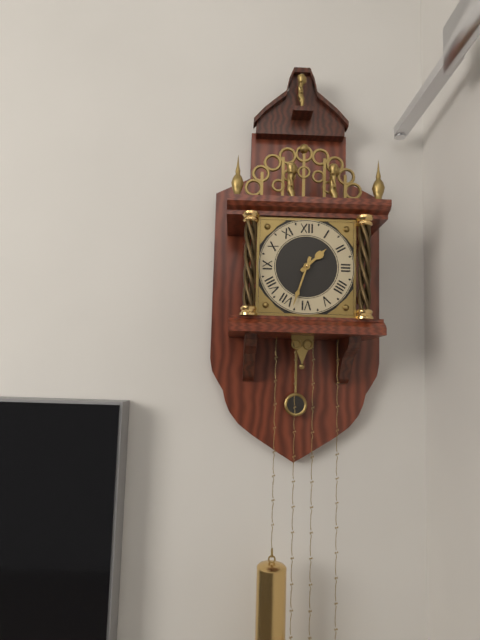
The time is 1,33
